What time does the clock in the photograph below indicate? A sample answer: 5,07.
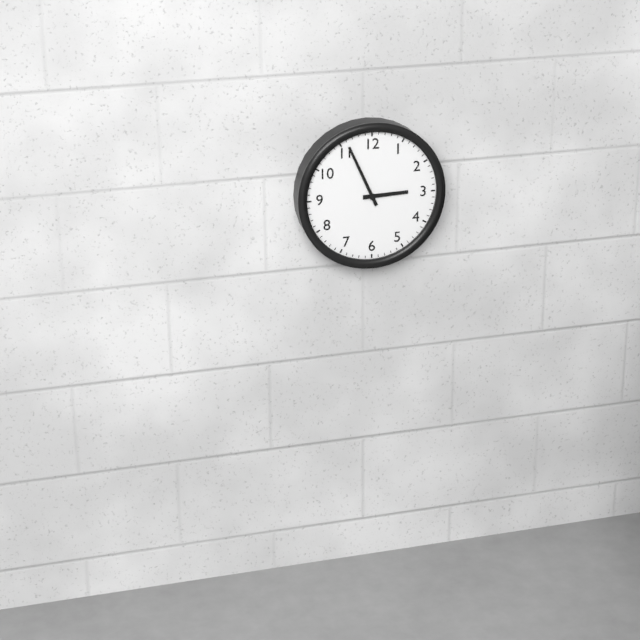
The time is 2,56
